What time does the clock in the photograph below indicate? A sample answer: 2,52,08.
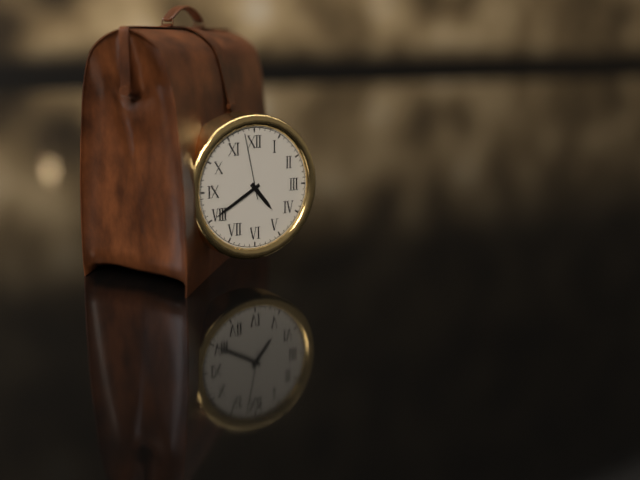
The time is 4,40,58
